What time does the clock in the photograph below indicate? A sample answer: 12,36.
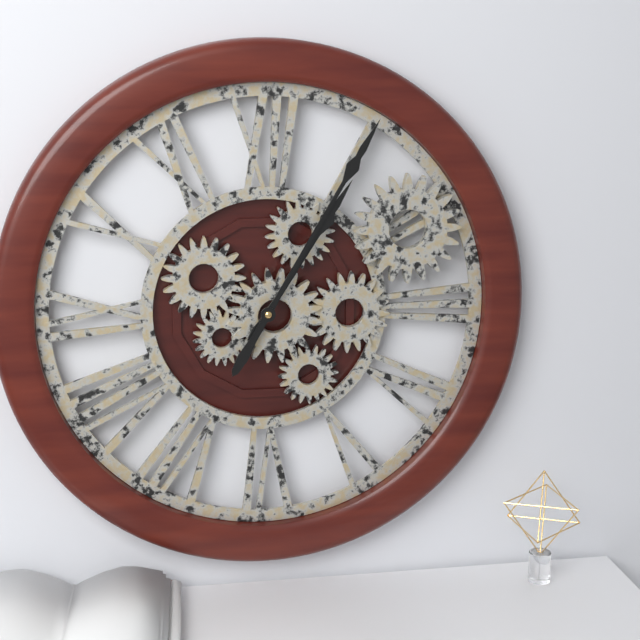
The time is 1,05
